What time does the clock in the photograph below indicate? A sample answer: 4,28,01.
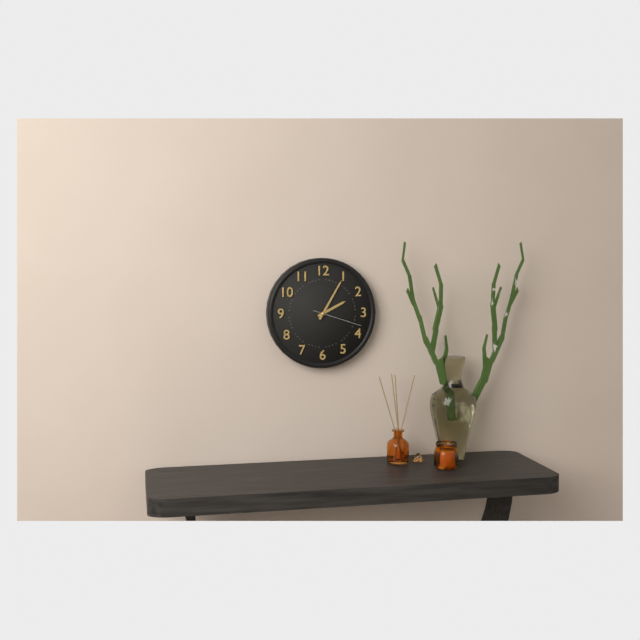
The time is 2,05,18
